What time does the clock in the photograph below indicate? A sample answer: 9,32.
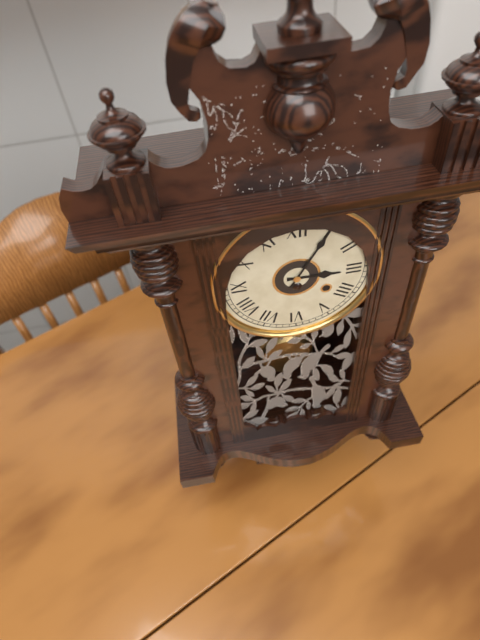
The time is 3,05
